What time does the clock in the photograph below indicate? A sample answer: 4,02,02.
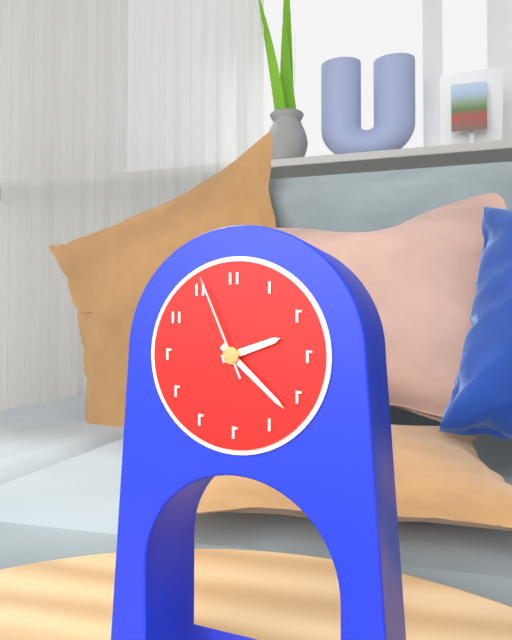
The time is 2,22,56
